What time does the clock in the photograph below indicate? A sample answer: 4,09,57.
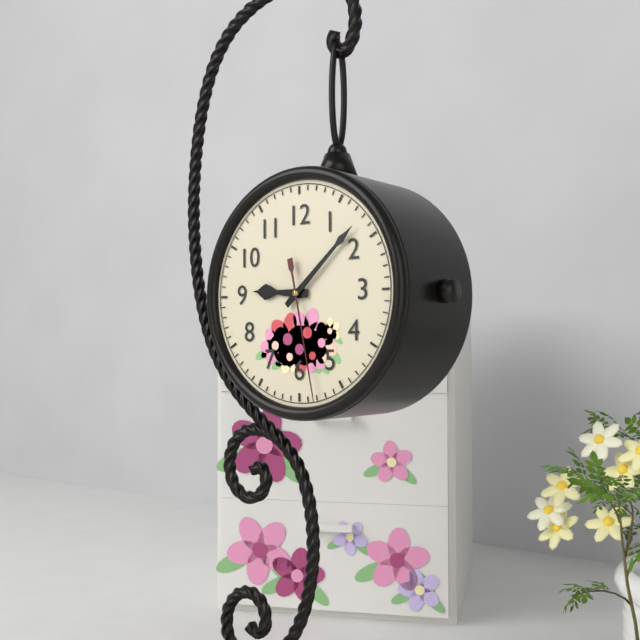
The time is 9,08,28
